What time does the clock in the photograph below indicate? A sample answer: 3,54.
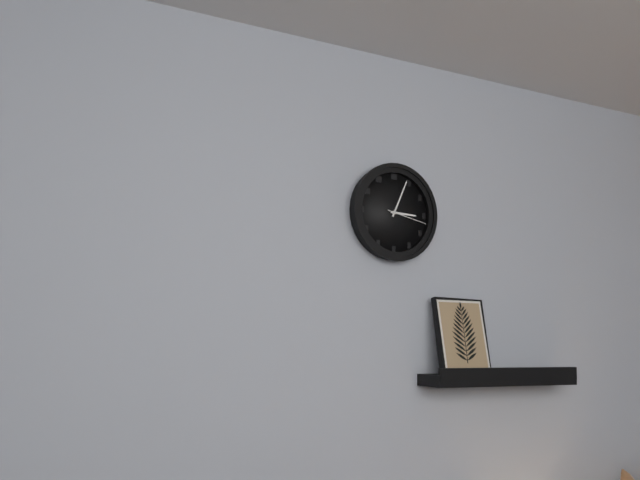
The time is 3,04
